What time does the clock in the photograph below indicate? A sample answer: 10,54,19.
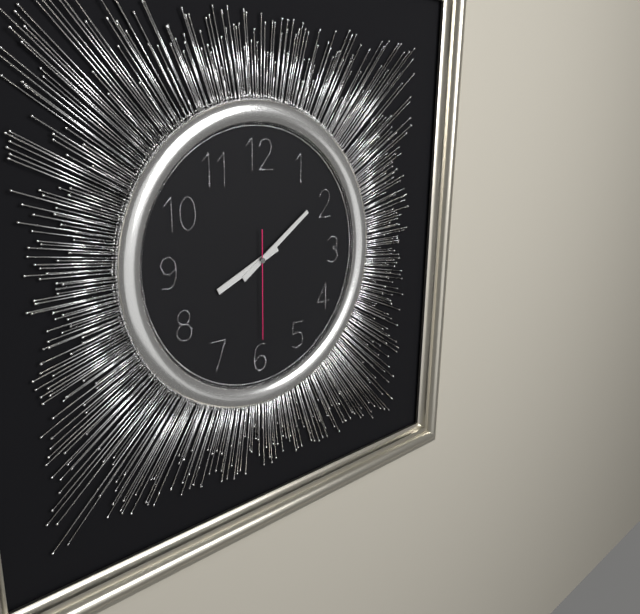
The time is 8,09,30
